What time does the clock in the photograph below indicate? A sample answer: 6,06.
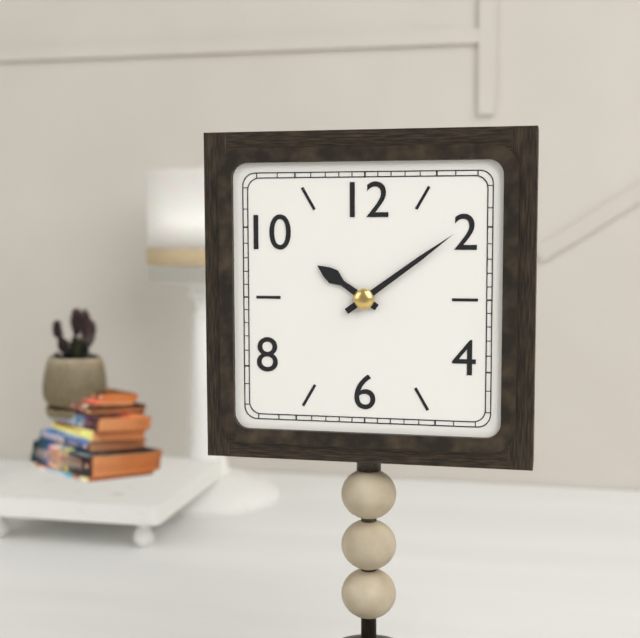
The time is 10,09
